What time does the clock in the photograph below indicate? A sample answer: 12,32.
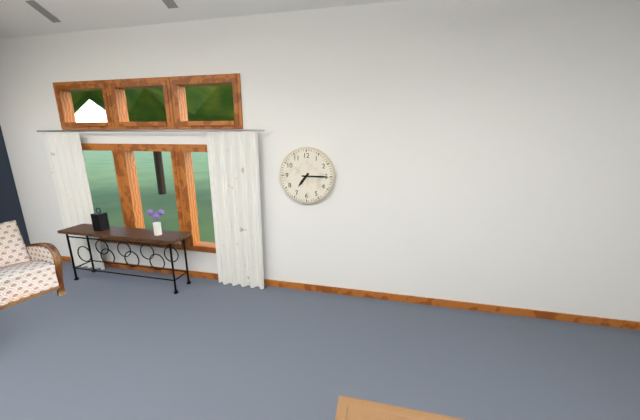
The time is 7,15
